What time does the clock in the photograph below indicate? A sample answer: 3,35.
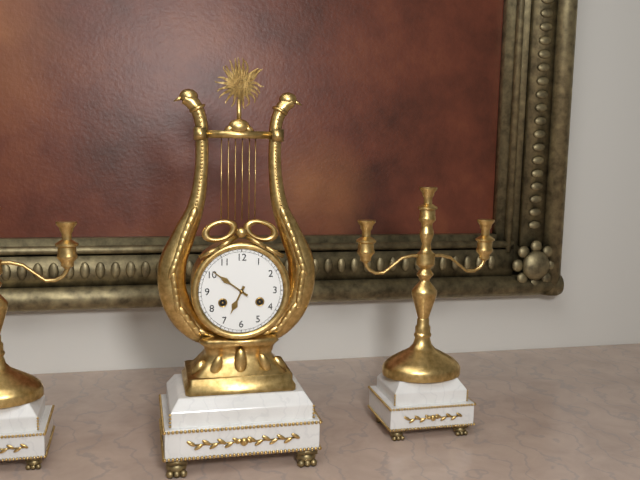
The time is 6,51
